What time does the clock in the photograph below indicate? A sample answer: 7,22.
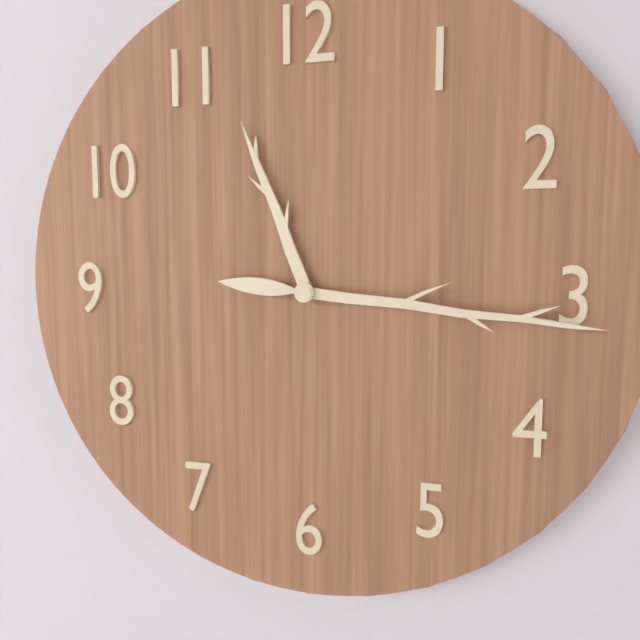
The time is 11,16
